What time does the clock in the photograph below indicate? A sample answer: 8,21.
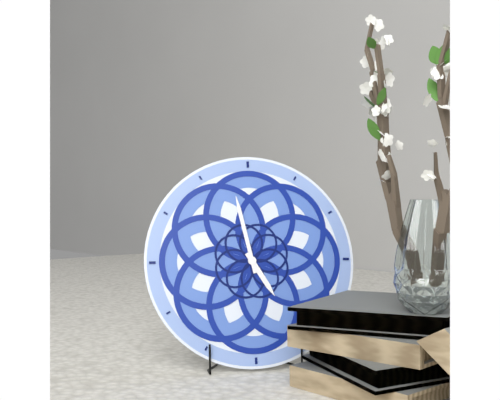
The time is 4,58
